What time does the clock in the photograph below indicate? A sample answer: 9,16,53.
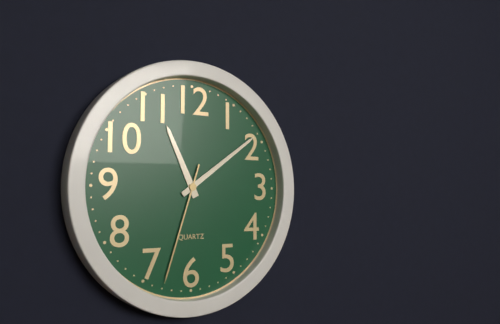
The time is 11,09,33
